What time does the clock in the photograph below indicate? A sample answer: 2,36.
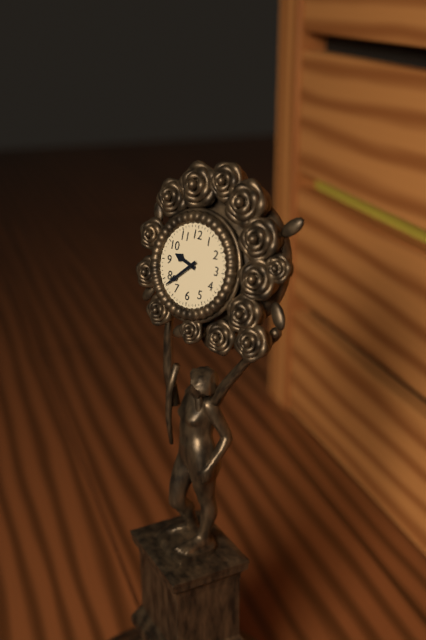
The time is 9,38
